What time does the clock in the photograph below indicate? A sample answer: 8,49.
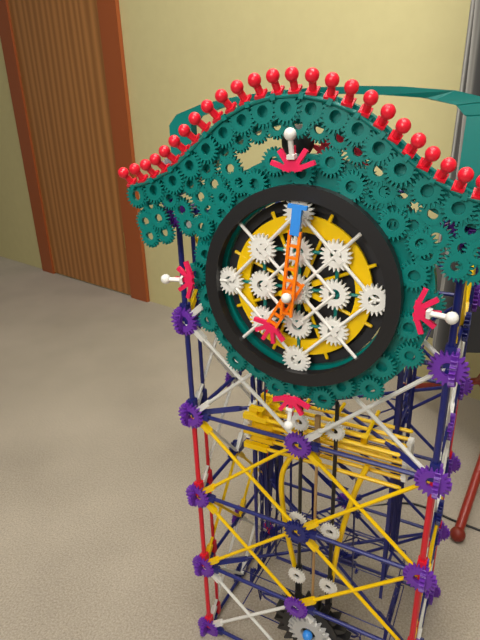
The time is 7,01
